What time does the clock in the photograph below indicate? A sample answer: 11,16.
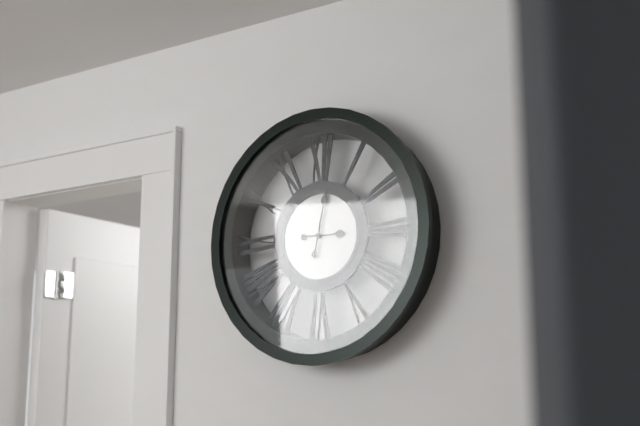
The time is 3,02
